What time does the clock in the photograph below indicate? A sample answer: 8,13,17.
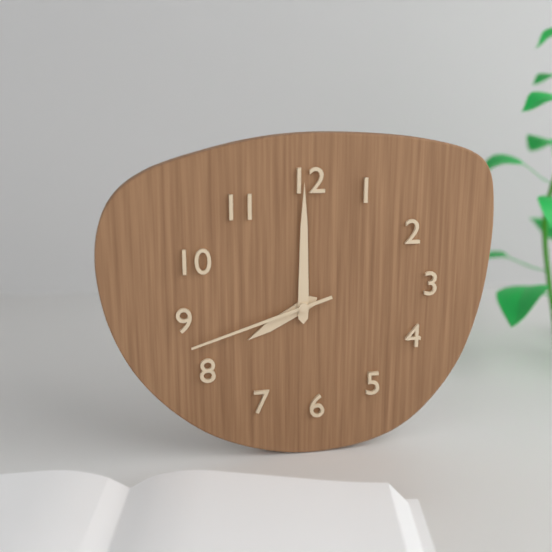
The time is 8,00,42
